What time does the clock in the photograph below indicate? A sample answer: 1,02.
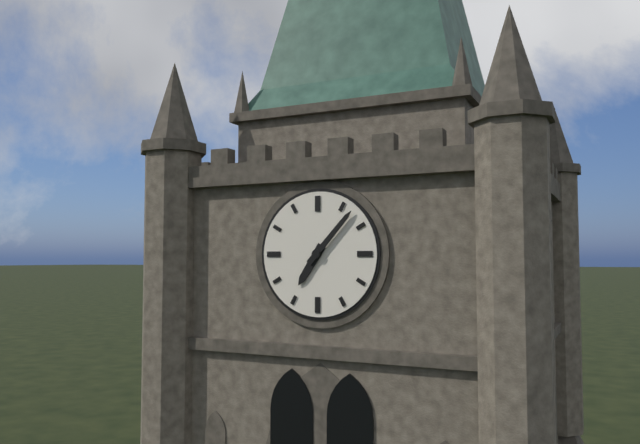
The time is 7,07
